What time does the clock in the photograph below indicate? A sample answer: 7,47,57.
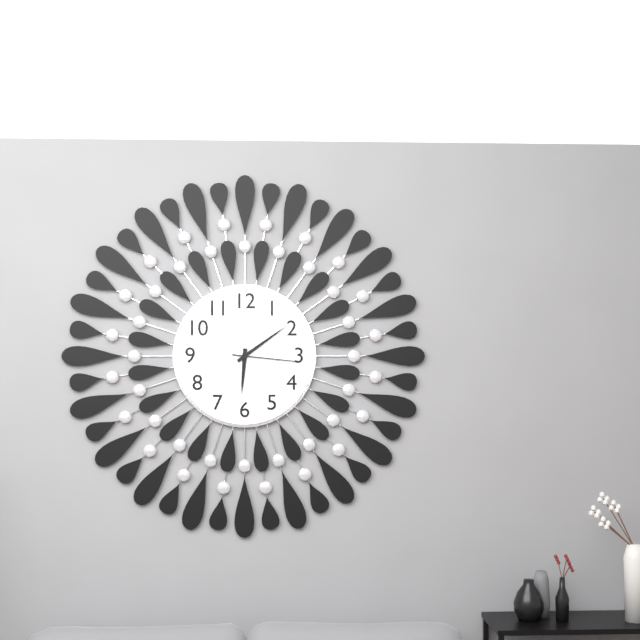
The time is 6,09,16
